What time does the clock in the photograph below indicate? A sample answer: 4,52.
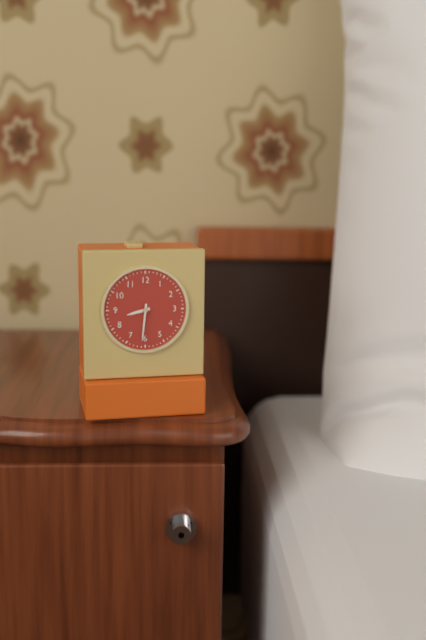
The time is 8,31
